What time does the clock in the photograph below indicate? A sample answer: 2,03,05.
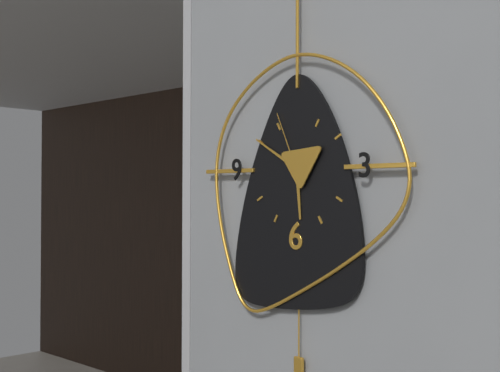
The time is 5,50,56
